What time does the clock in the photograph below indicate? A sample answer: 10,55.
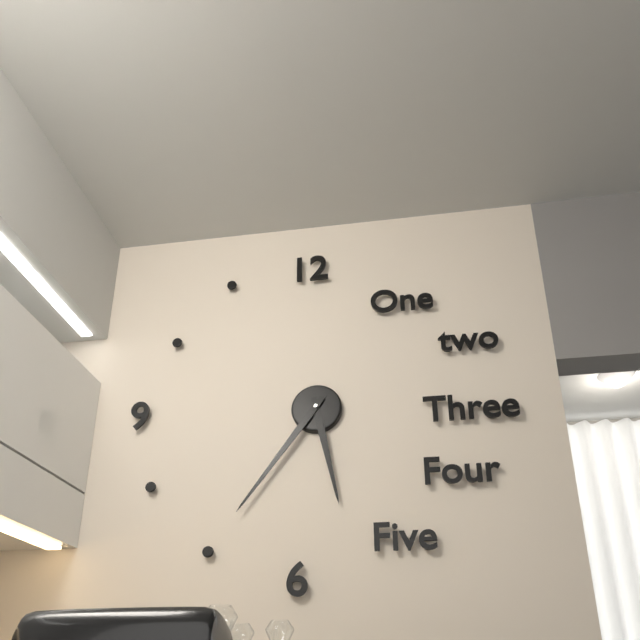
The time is 5,36
